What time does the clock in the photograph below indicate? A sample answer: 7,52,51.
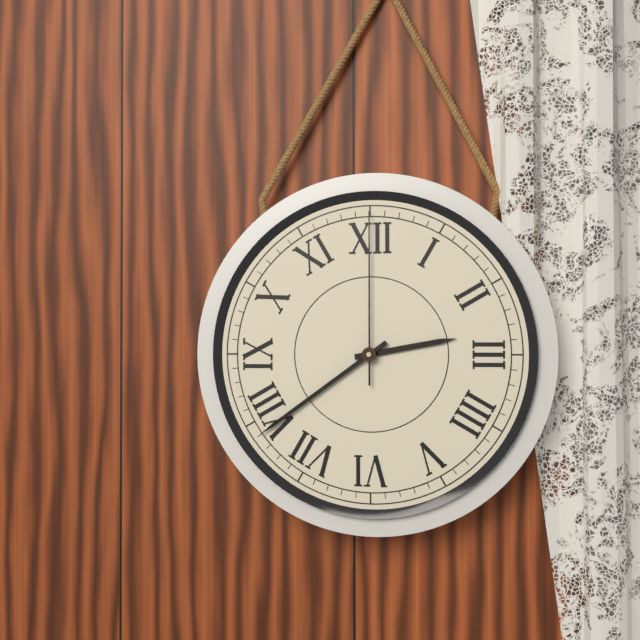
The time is 2,39,00
